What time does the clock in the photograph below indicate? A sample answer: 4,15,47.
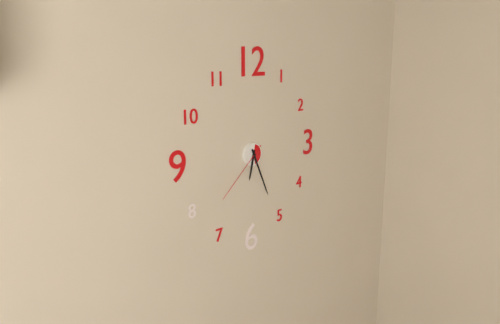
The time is 6,26,38
